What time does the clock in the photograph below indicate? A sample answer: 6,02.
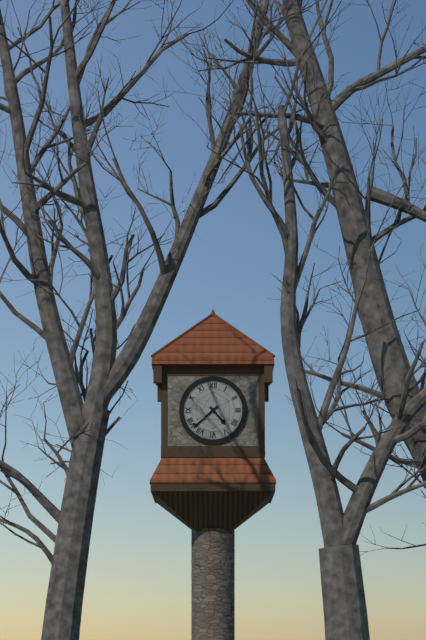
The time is 4,38
